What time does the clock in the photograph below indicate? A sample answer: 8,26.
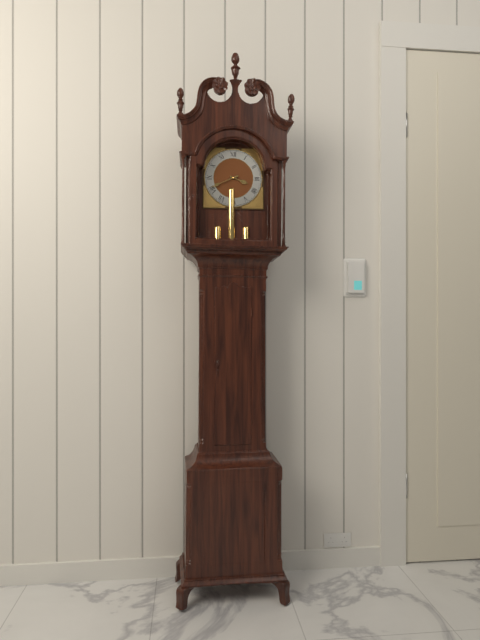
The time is 3,41
